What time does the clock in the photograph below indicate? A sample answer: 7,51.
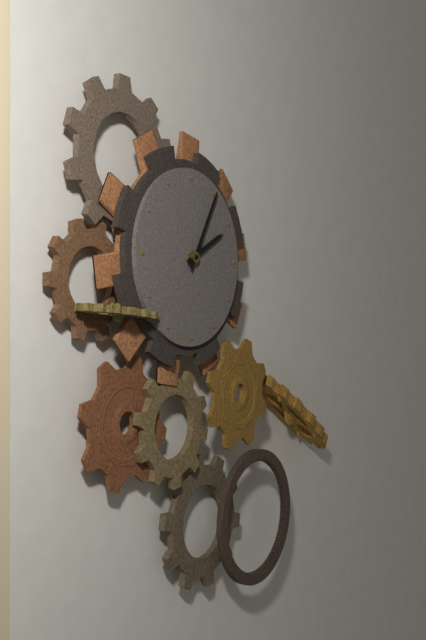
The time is 2,05
